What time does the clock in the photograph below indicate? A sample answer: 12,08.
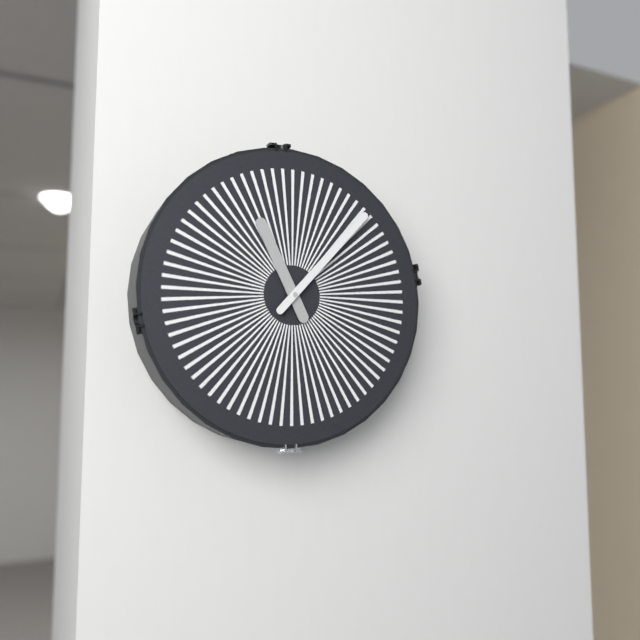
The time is 11,07
